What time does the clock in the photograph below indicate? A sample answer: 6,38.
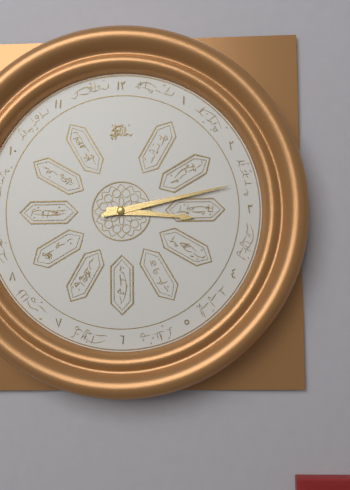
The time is 3,13
